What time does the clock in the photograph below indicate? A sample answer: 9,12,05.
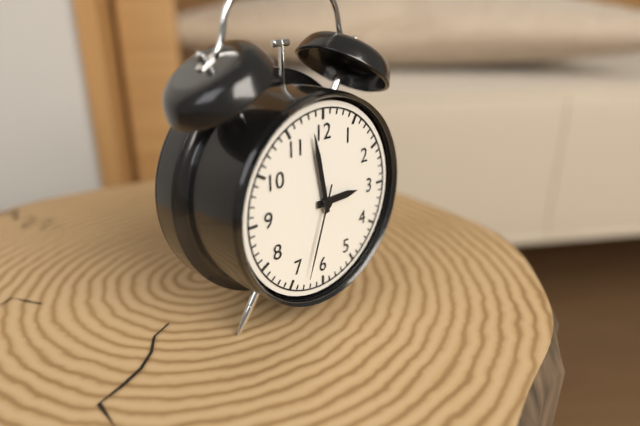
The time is 2,58,33
